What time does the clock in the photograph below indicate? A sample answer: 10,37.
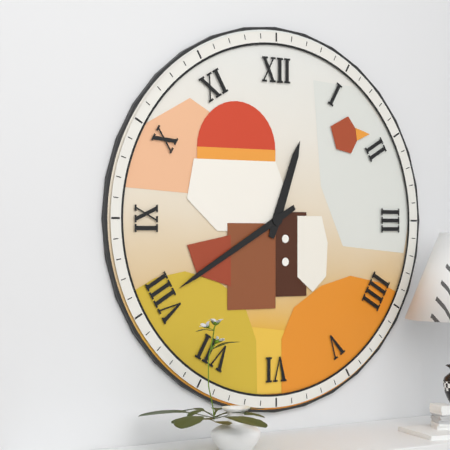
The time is 12,40
